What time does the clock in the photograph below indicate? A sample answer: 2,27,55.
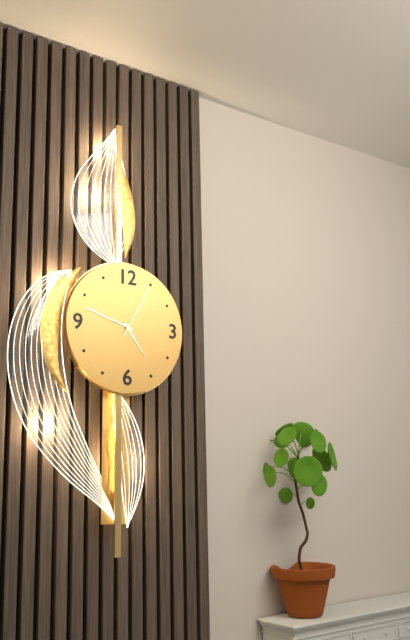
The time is 4,48,05
